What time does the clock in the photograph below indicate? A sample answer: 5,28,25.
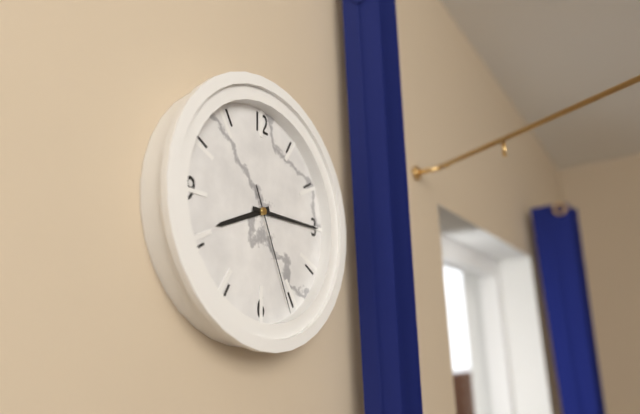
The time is 8,15,26
